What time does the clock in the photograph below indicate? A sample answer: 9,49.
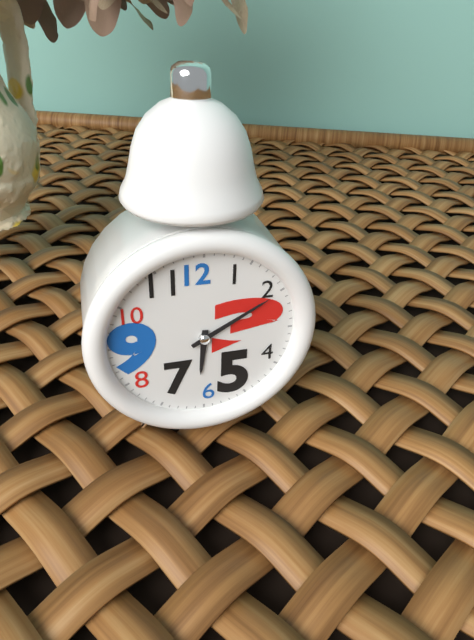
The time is 6,10
